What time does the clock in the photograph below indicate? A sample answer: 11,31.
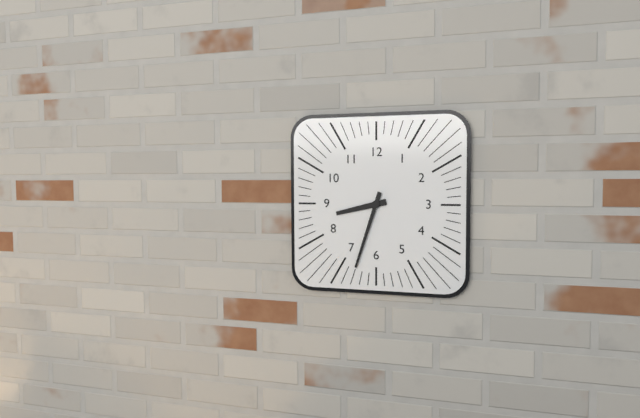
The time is 8,33
